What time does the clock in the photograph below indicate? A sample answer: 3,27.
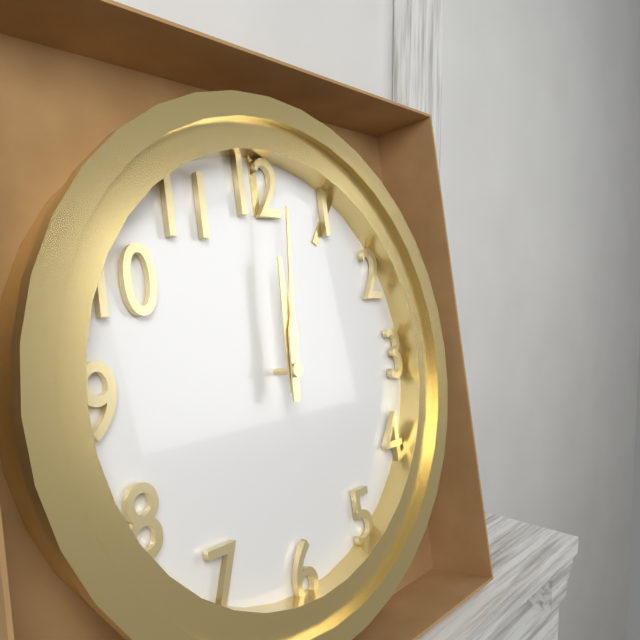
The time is 12,01
